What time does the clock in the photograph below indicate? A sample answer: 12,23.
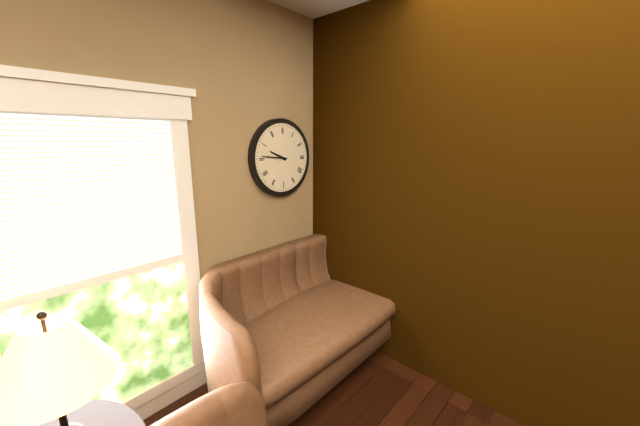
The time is 9,46
